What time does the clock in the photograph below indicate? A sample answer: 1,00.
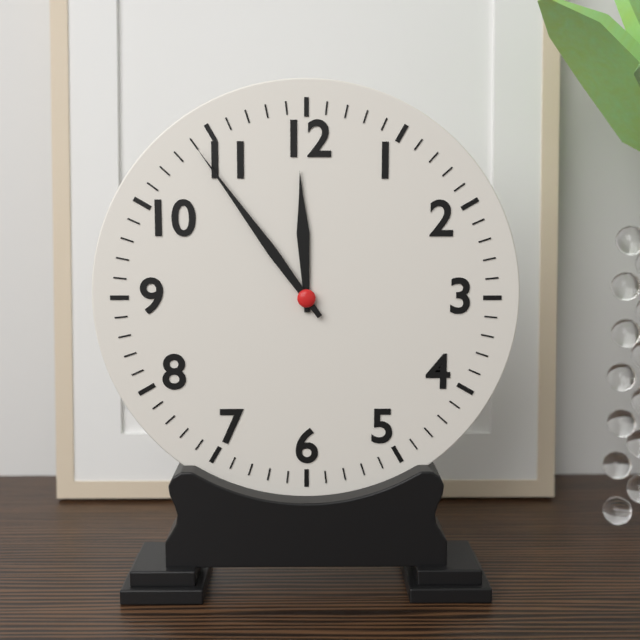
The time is 11,54
